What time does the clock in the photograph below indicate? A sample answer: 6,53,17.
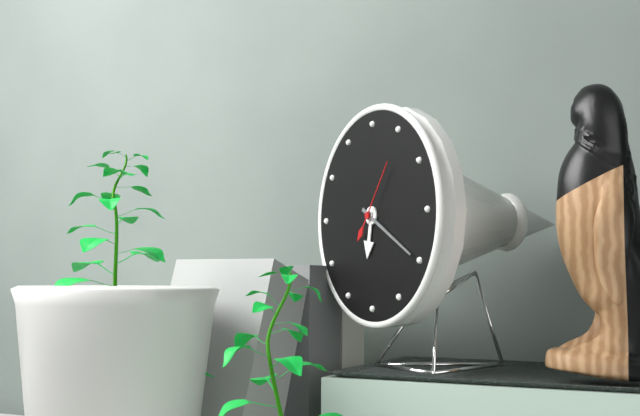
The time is 6,20,06
